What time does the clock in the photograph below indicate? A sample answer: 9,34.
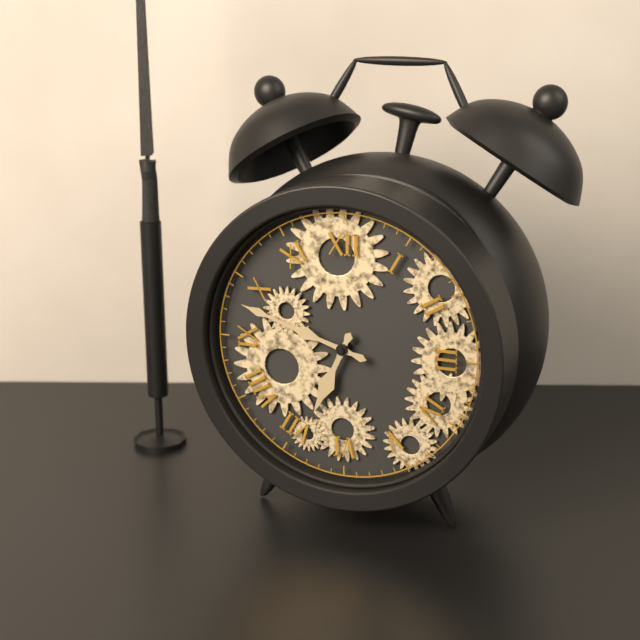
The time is 6,48
